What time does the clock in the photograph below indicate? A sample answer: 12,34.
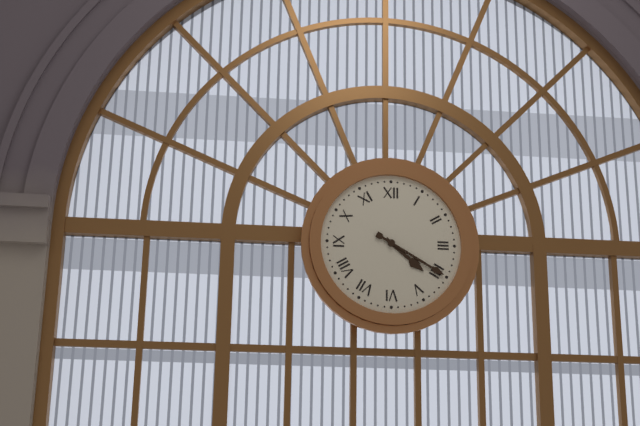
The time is 4,20
